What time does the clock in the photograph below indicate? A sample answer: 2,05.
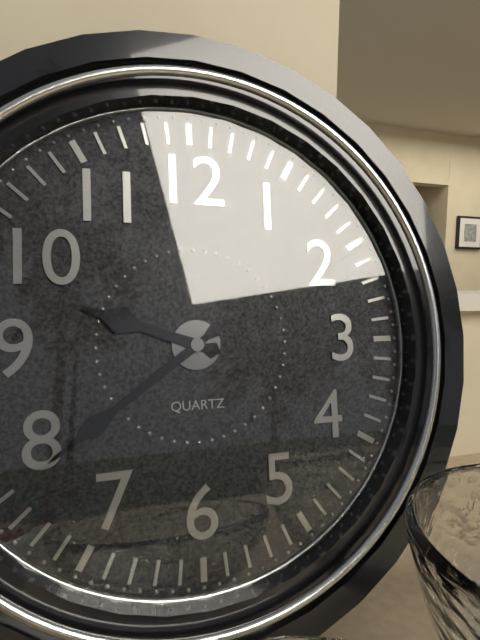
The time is 9,39
